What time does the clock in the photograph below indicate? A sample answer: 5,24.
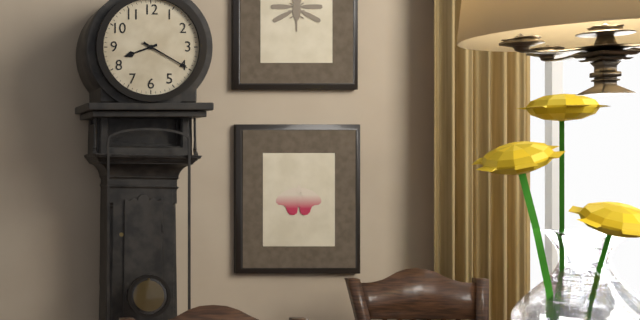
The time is 8,20
